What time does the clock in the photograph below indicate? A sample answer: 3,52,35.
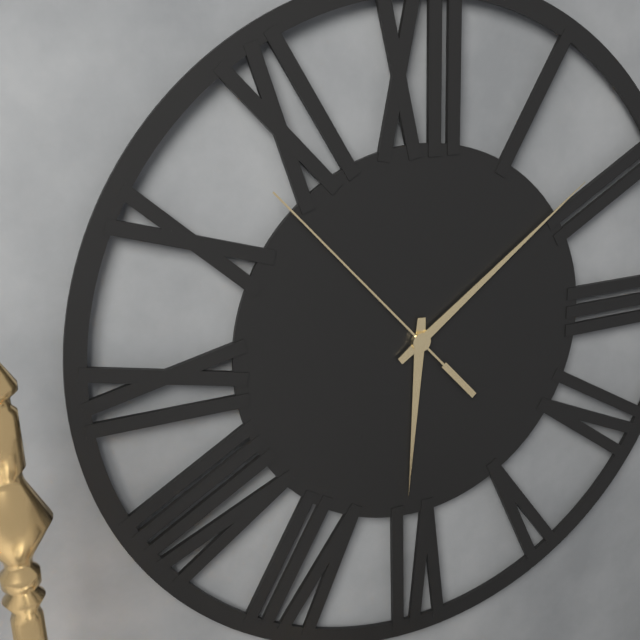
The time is 6,09,53
